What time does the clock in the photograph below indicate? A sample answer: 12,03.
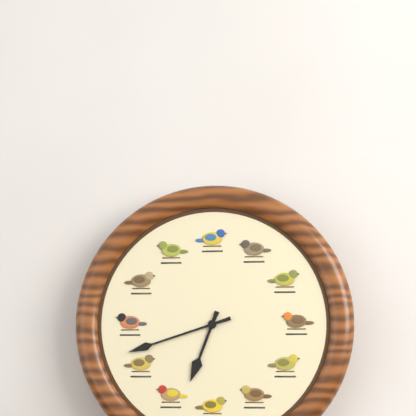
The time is 6,42
